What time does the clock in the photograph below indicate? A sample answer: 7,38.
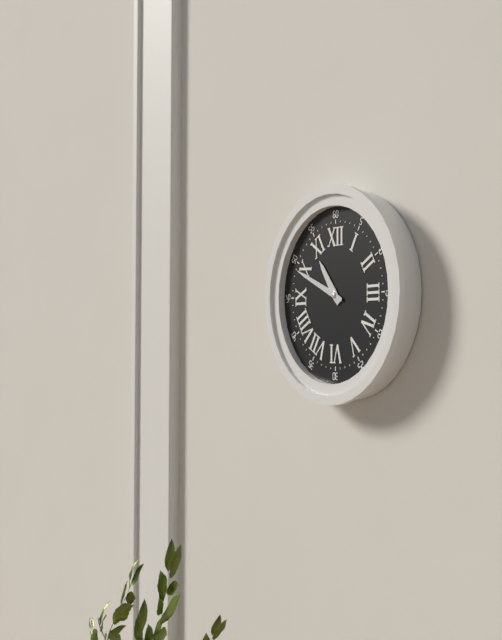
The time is 10,49
